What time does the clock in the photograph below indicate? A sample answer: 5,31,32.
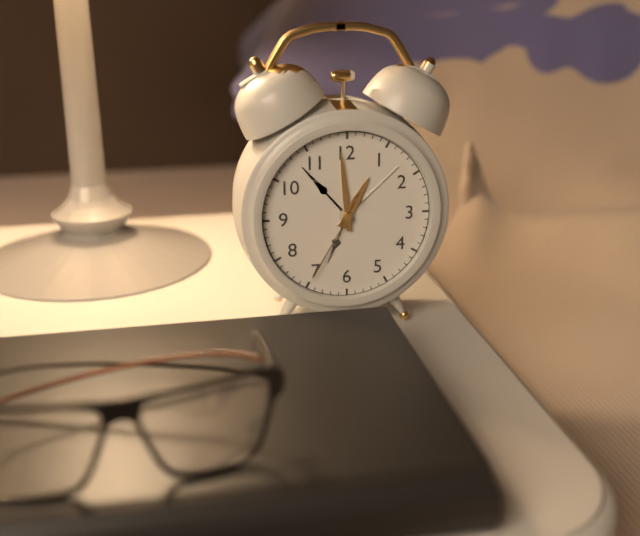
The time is 12,59,35
